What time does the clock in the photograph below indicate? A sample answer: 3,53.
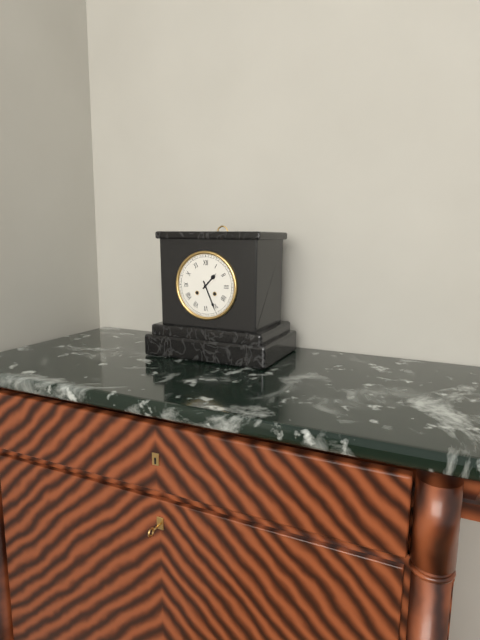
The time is 1,26
